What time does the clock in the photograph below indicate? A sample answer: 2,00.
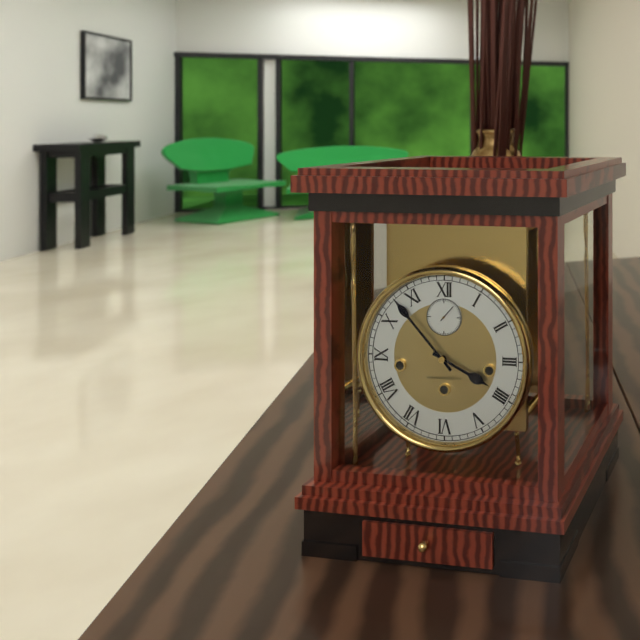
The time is 3,53
